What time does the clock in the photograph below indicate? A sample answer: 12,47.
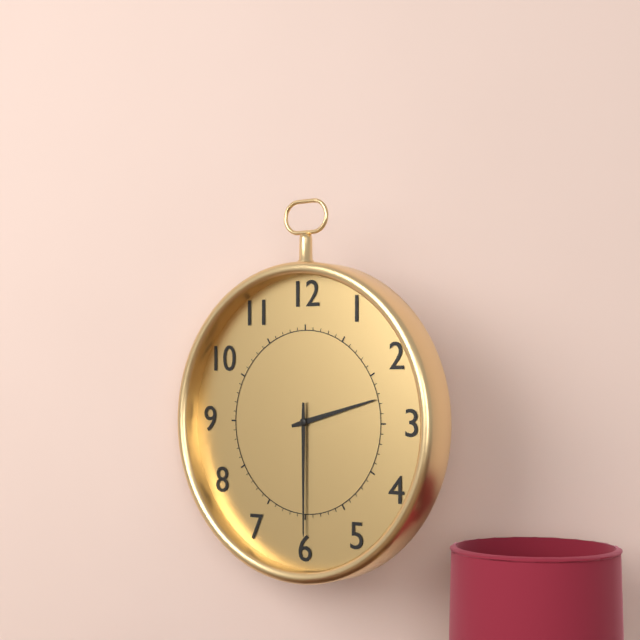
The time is 2,30
